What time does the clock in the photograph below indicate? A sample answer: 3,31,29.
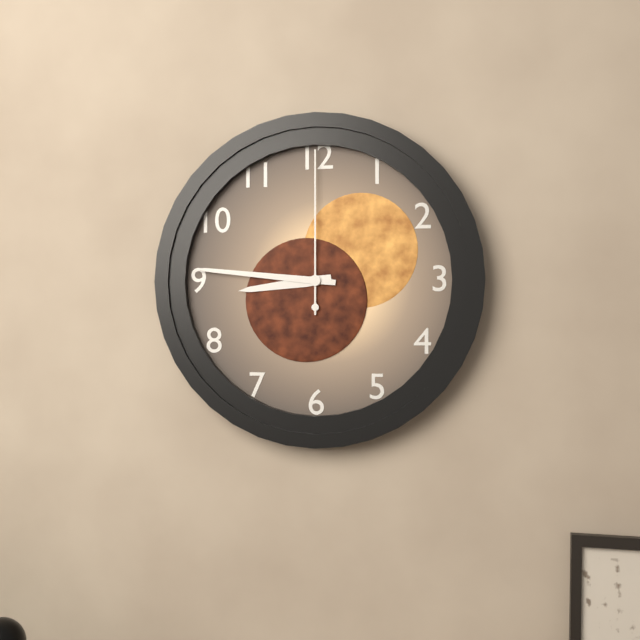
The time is 8,46,00
